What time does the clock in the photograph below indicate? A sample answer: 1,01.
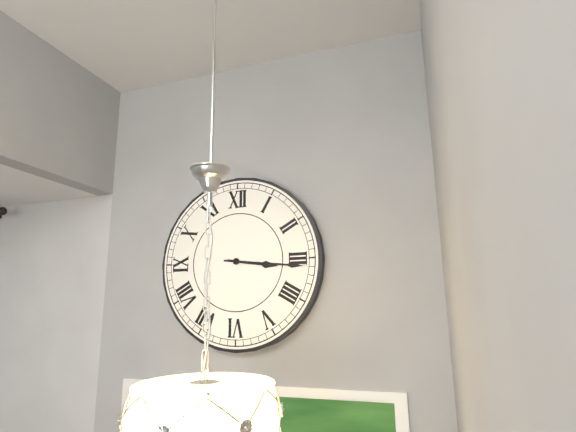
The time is 3,16
